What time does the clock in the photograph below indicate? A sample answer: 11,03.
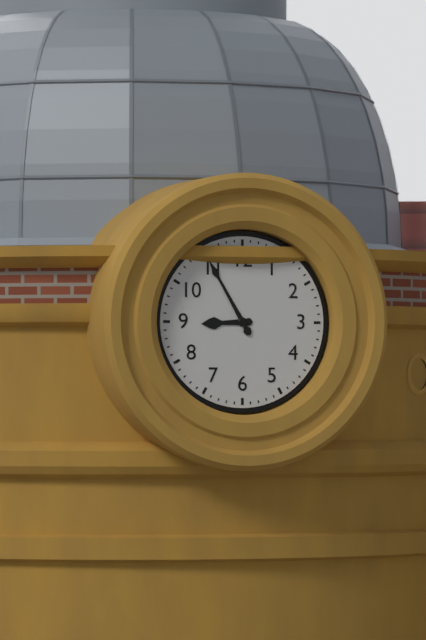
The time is 8,55
